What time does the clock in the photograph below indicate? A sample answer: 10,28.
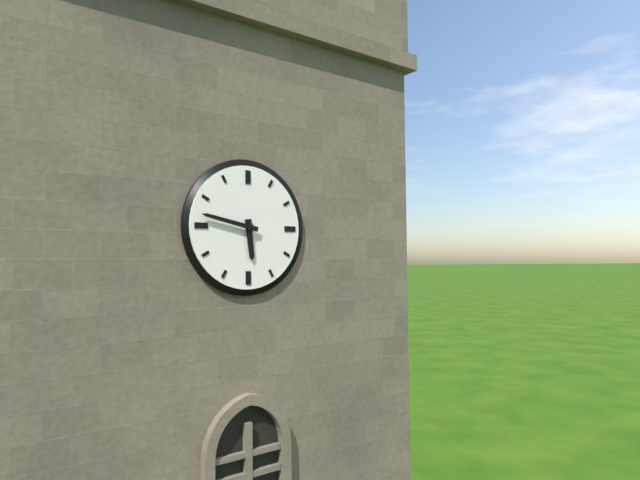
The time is 5,47
